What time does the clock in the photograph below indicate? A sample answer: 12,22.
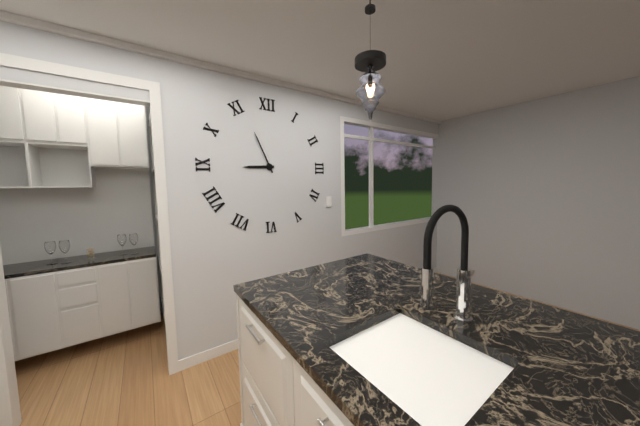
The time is 8,56
